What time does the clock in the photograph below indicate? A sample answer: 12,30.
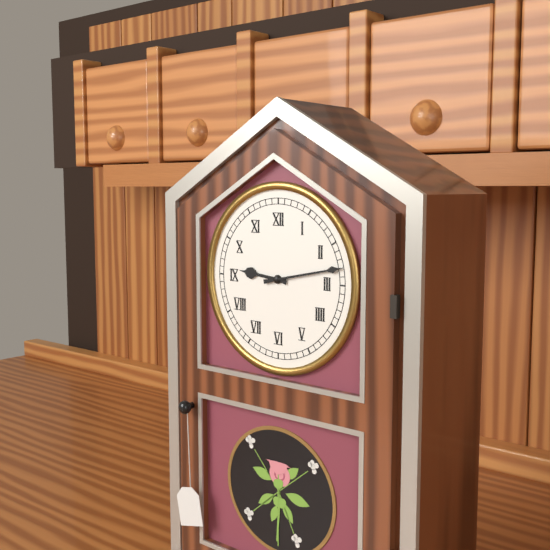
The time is 9,13
